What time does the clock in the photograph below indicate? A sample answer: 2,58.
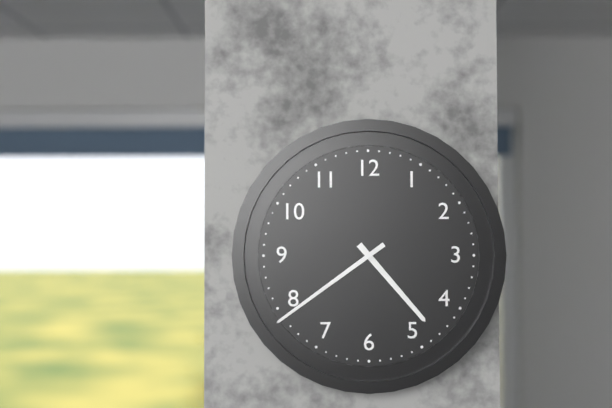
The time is 4,39
